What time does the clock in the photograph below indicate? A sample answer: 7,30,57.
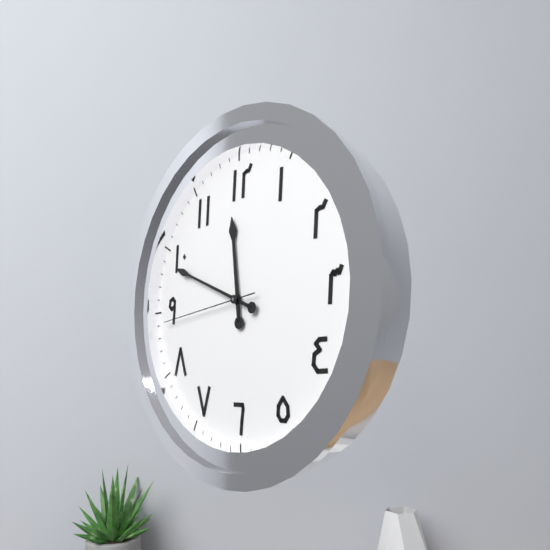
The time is 11,49,44
